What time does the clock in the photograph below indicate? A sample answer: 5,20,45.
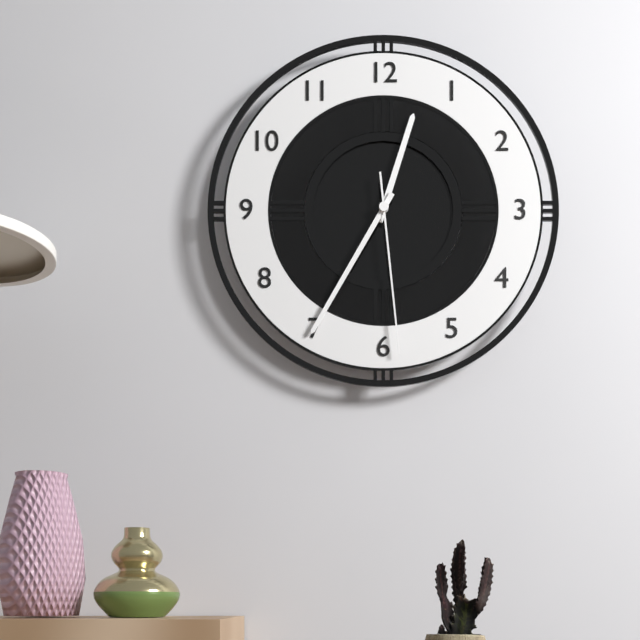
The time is 12,35,29
